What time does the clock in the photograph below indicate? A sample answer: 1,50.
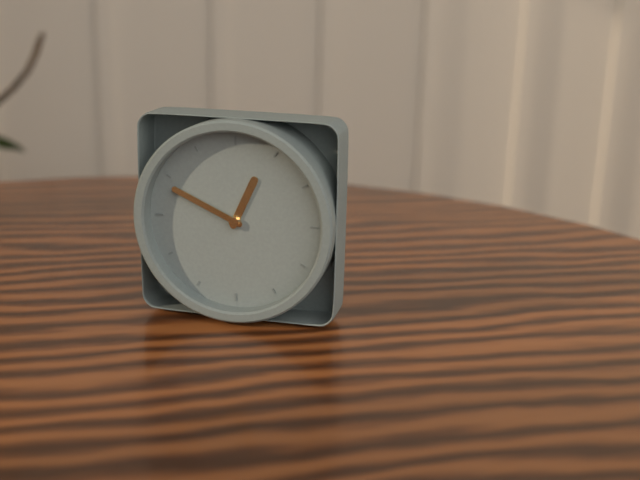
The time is 12,49
